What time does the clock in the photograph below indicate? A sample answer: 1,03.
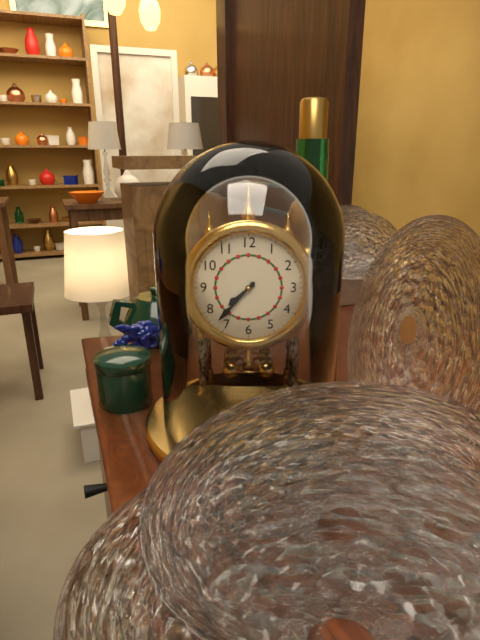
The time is 7,37
